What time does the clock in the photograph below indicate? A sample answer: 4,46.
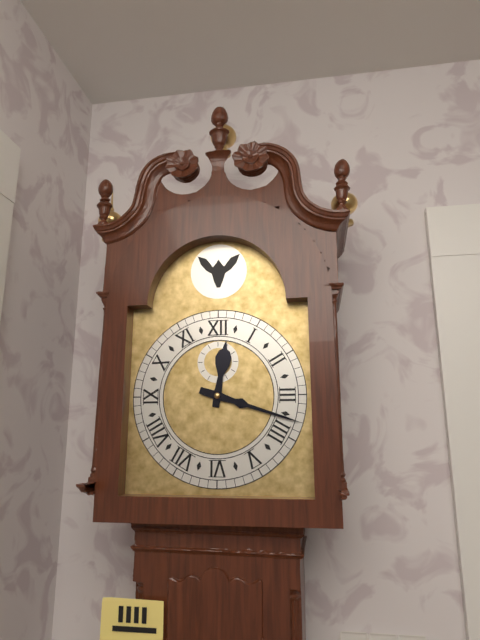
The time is 12,18
